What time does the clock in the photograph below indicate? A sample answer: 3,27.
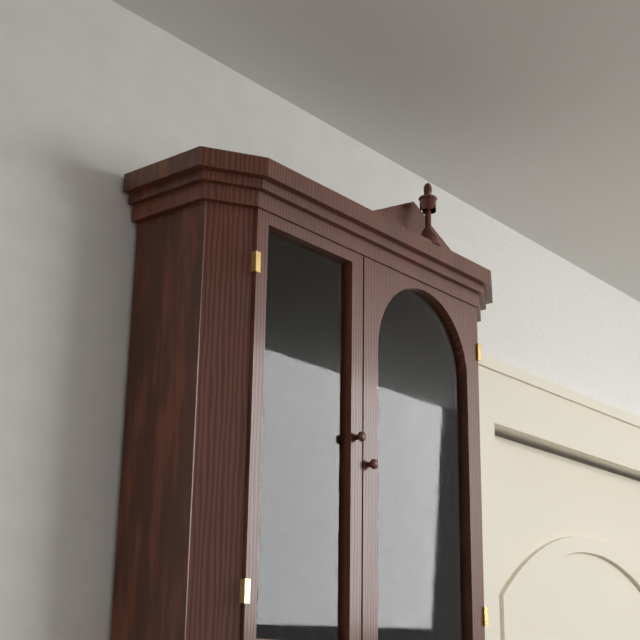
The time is 5,35
